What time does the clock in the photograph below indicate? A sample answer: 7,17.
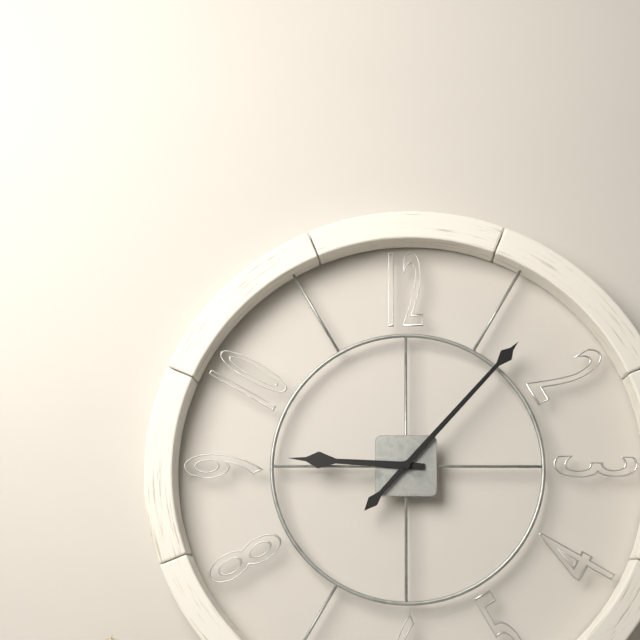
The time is 9,07
